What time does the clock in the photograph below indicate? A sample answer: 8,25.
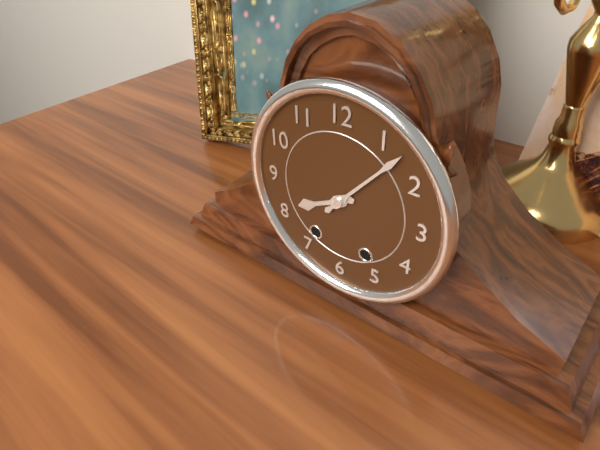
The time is 8,07
